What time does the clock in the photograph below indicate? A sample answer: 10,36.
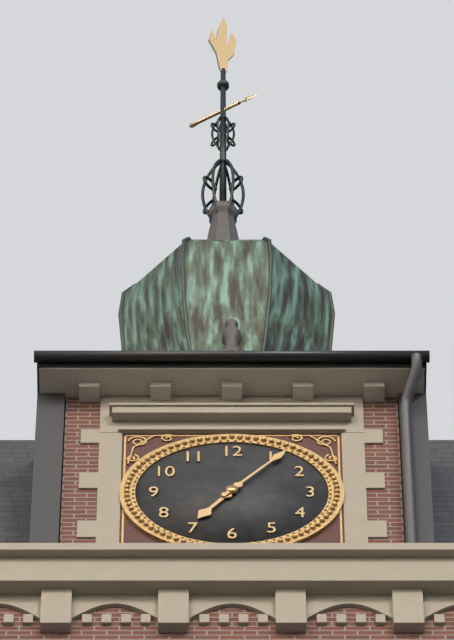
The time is 7,06
